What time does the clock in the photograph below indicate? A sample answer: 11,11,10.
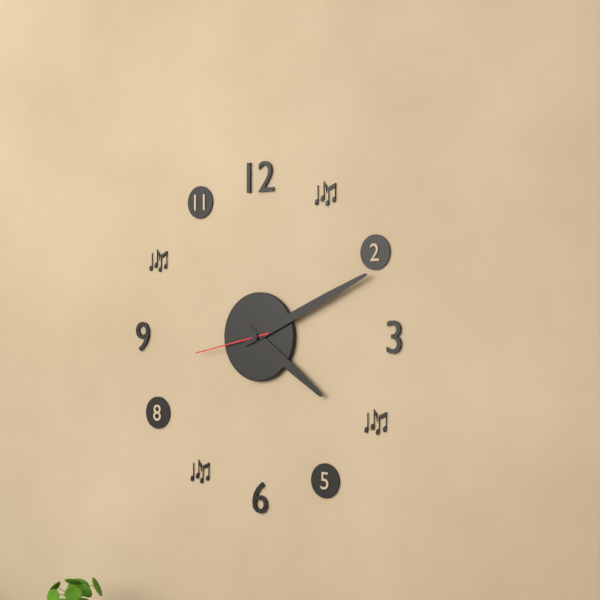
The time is 4,11,43
